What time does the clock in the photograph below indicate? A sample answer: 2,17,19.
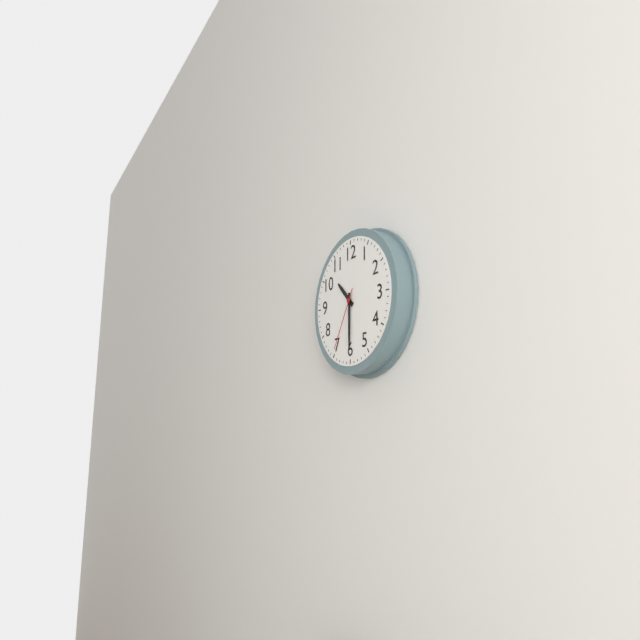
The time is 10,30,35
